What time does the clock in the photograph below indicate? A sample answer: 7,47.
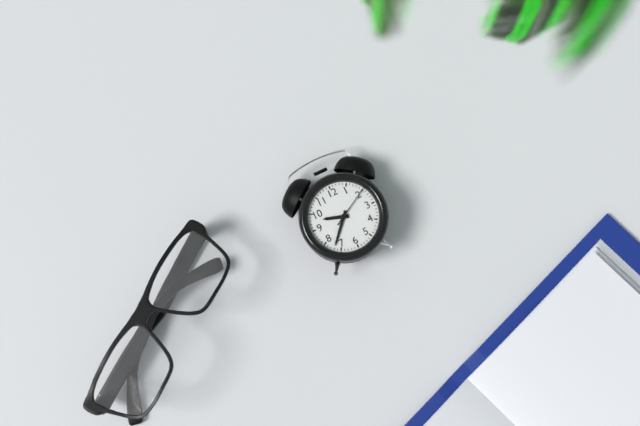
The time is 9,37
